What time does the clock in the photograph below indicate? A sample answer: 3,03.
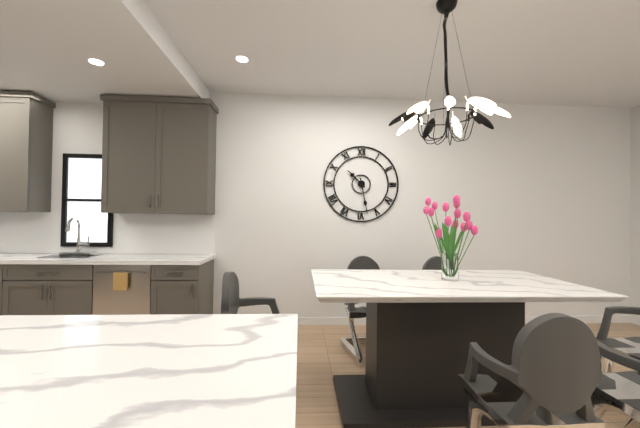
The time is 10,28
